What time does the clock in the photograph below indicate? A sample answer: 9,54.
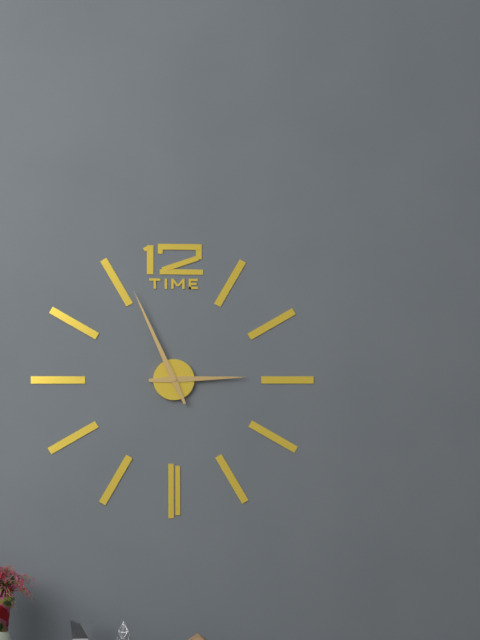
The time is 2,56
